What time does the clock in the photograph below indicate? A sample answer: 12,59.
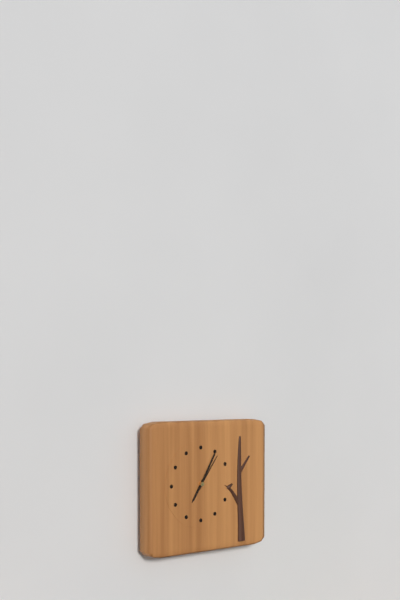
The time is 7,05
